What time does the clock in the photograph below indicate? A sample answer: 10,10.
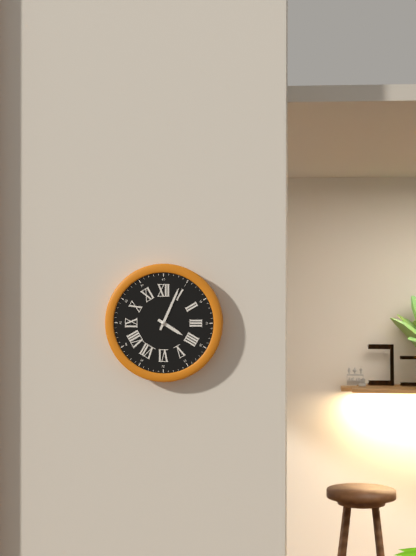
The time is 4,04
